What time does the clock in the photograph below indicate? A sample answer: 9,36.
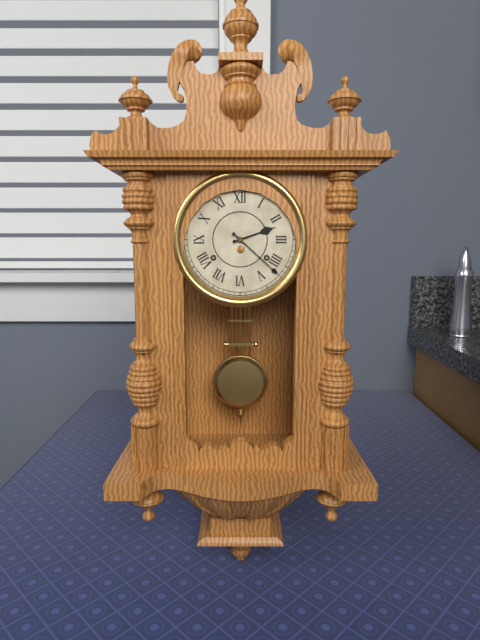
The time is 2,22
